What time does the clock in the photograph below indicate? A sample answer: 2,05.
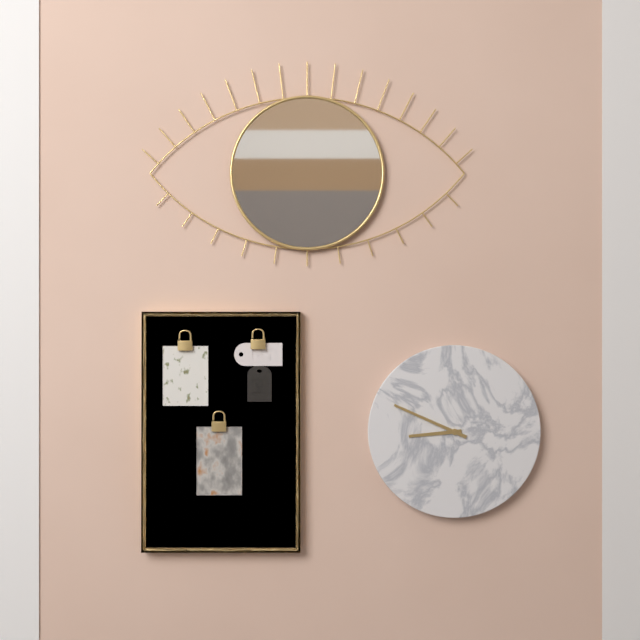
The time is 8,49
